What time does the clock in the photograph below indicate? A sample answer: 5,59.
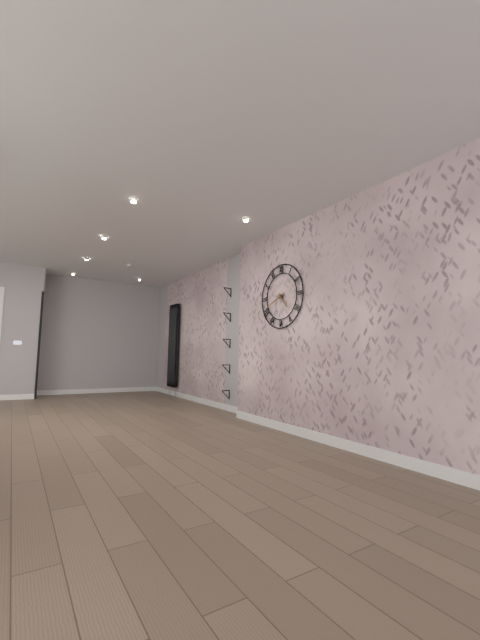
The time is 4,41
